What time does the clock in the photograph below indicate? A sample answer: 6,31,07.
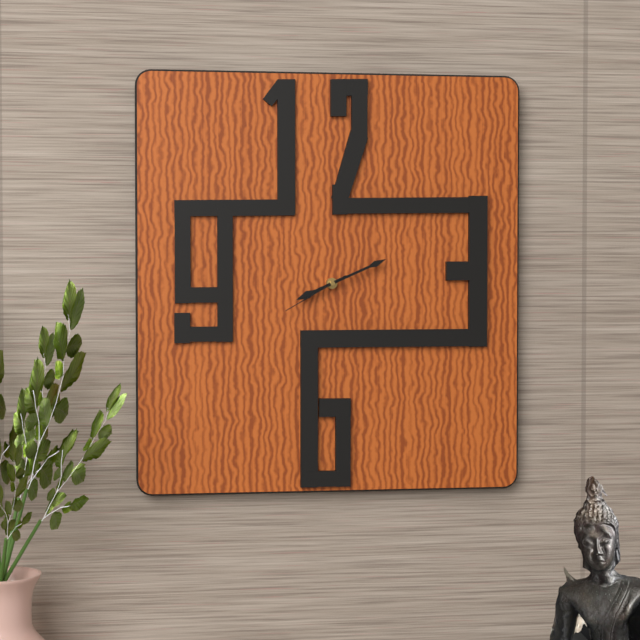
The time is 8,11,40
